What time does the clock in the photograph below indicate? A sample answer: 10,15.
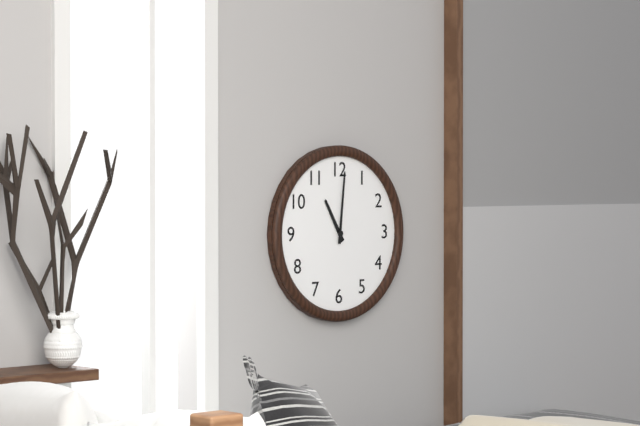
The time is 11,01
